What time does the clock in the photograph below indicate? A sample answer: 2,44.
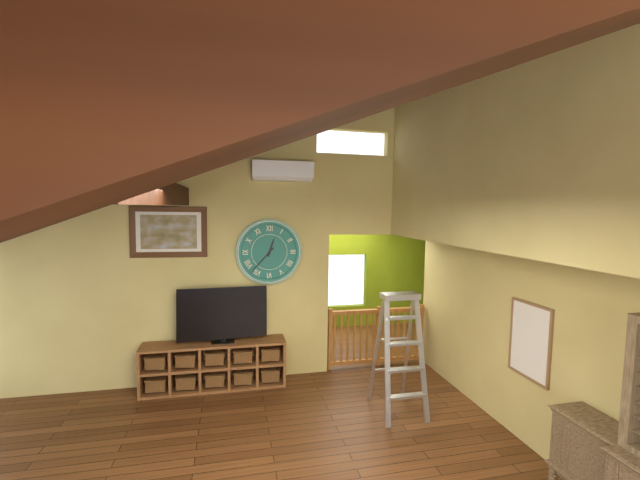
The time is 12,37
